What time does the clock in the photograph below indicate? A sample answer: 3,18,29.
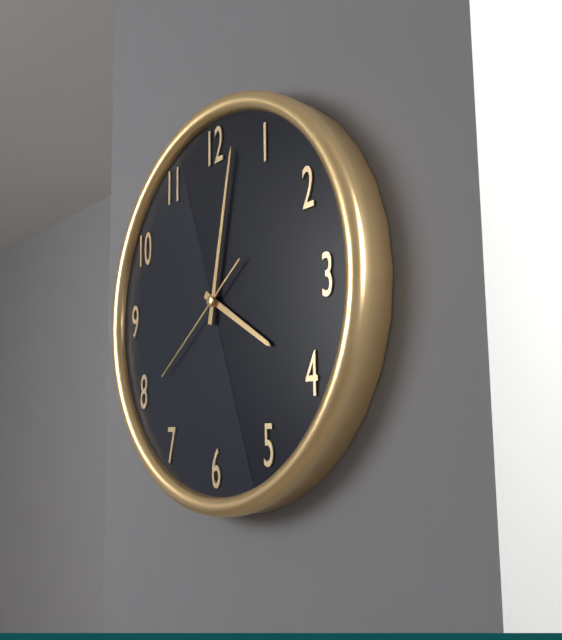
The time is 4,02,39
